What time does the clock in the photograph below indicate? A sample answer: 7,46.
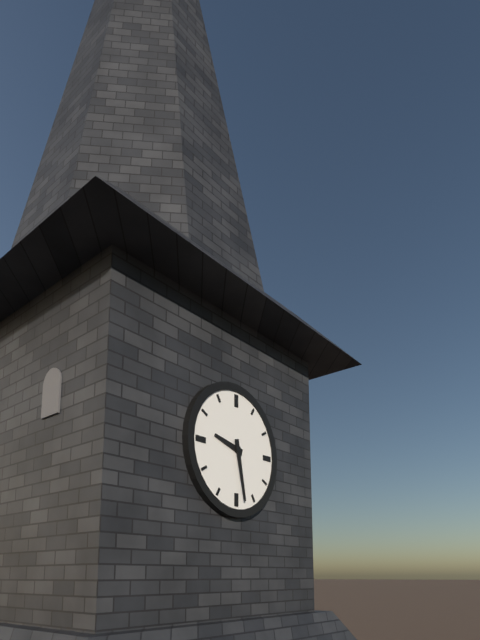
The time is 9,28
